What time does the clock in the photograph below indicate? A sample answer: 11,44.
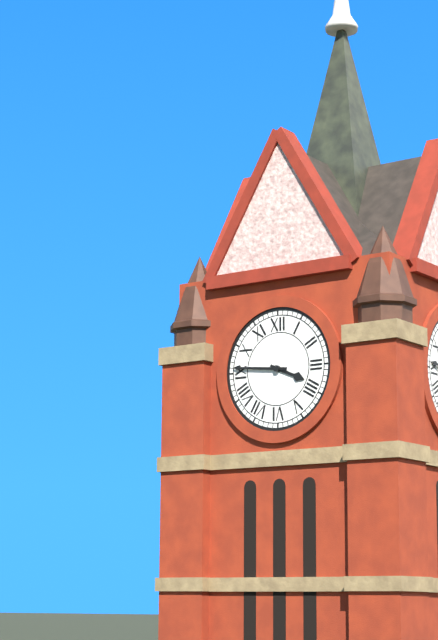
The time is 3,46
